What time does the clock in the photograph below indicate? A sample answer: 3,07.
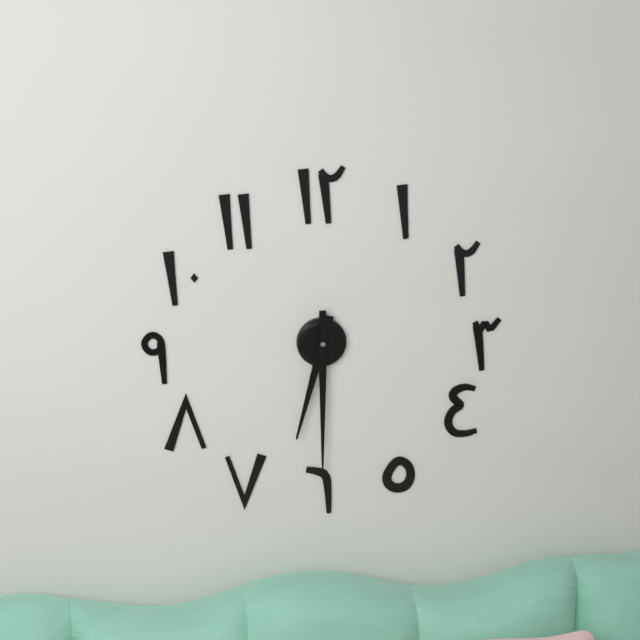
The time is 6,30
